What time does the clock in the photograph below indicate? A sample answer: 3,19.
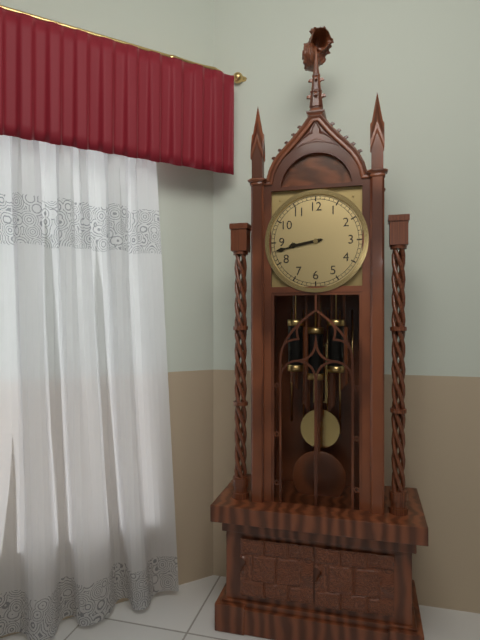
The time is 8,43
